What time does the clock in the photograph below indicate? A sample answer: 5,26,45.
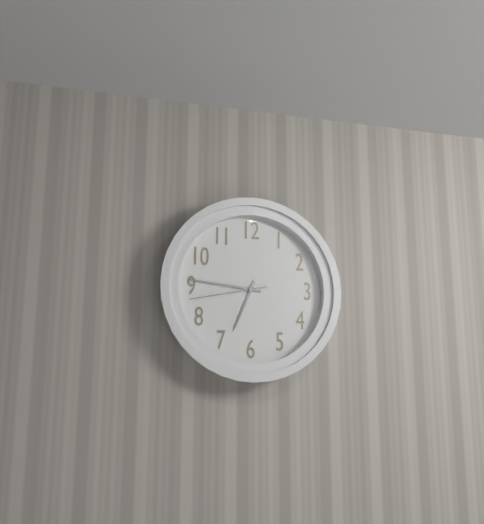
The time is 6,46,43
